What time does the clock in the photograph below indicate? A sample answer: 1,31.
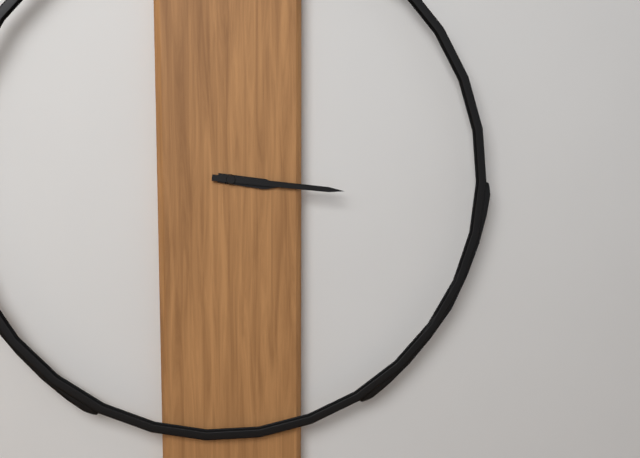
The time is 3,16
